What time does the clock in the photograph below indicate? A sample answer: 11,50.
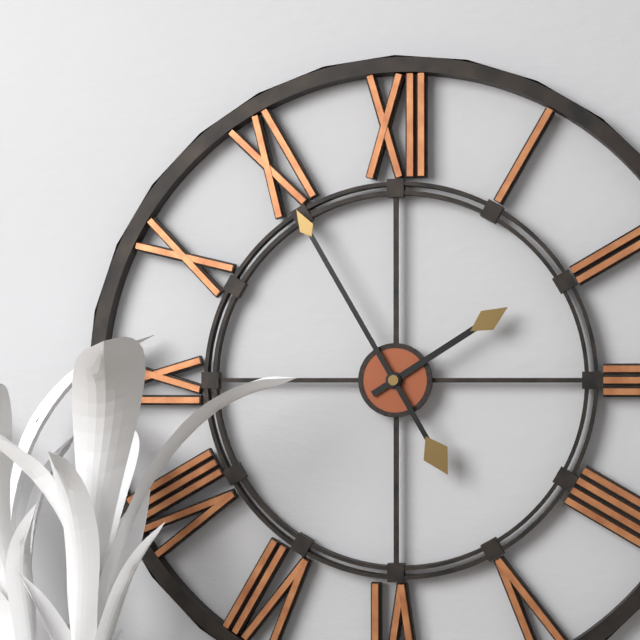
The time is 1,55
